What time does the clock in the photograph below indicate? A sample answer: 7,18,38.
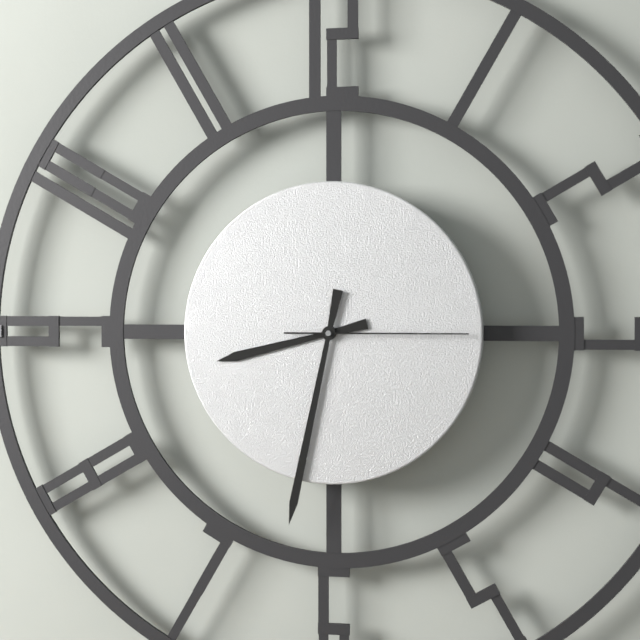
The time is 8,32,15
